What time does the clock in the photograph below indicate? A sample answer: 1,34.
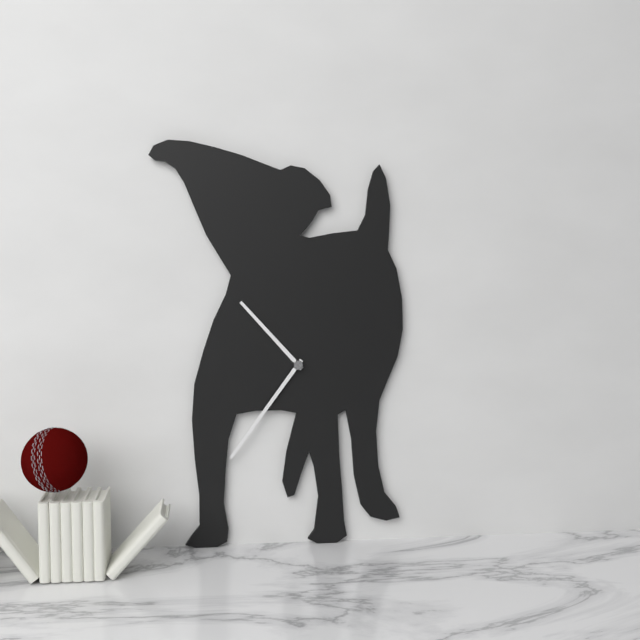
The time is 10,36
